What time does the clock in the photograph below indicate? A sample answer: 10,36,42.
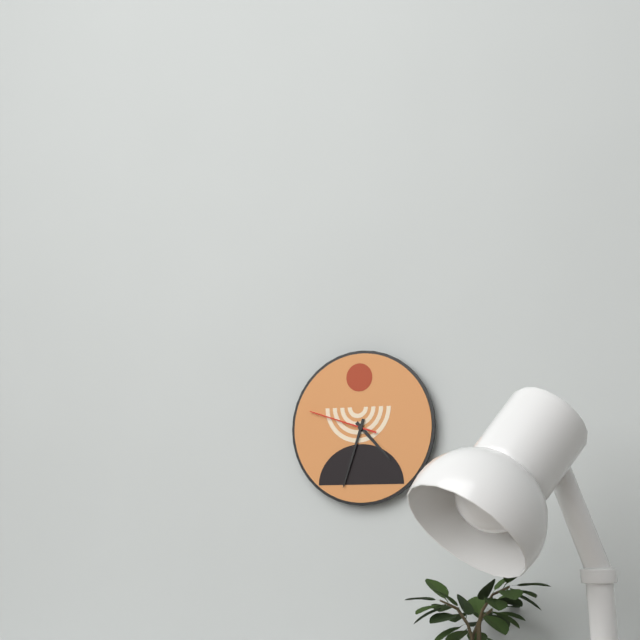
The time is 4,33,48
